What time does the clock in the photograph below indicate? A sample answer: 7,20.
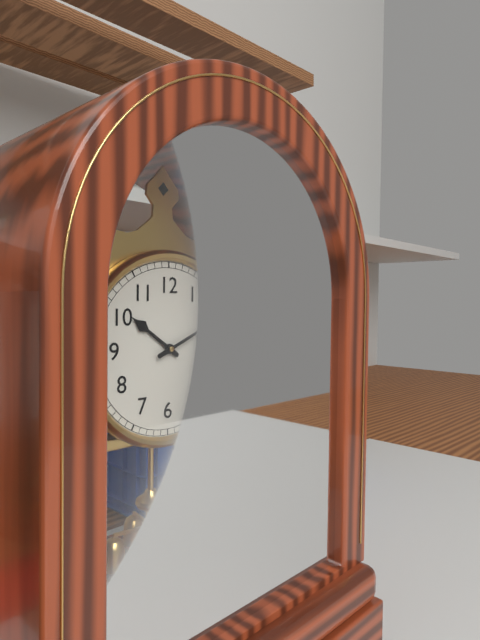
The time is 10,11
